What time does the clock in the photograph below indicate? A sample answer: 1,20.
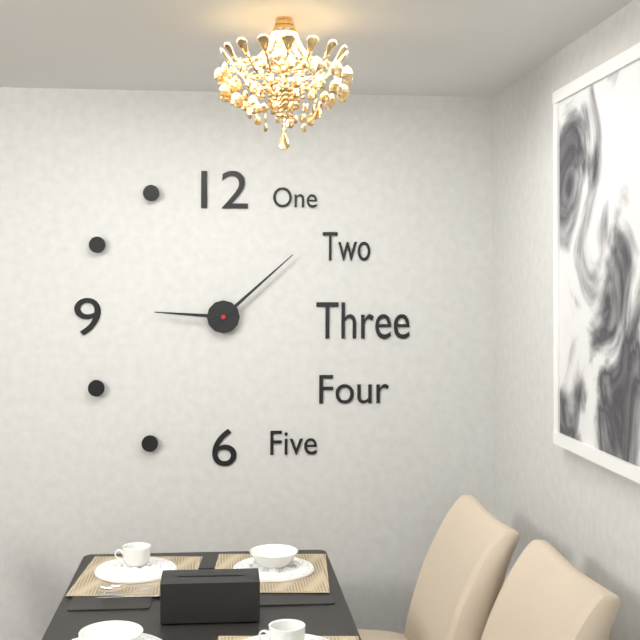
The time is 9,08
